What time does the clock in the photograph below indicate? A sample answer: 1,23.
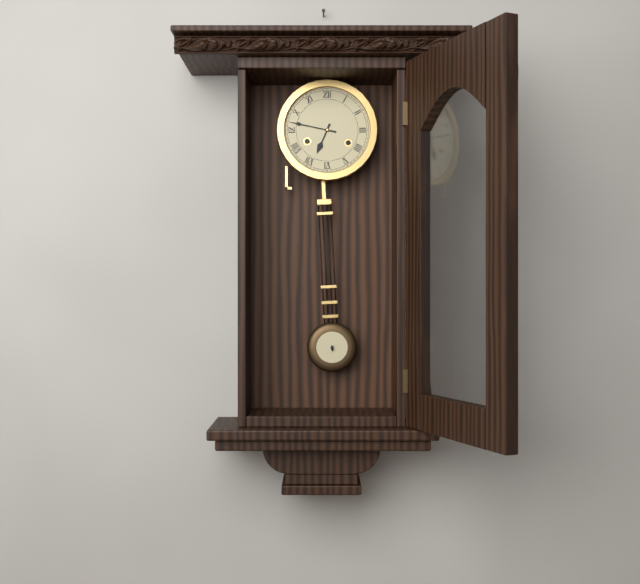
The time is 6,47
